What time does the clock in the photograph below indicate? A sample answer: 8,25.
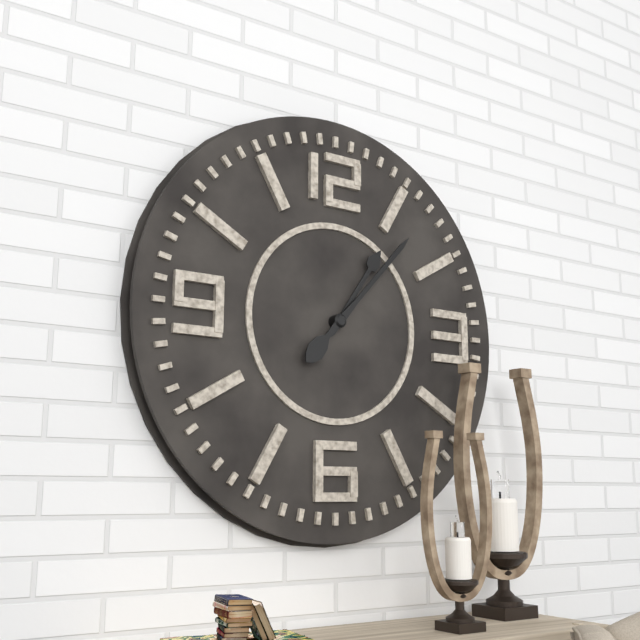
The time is 1,07
